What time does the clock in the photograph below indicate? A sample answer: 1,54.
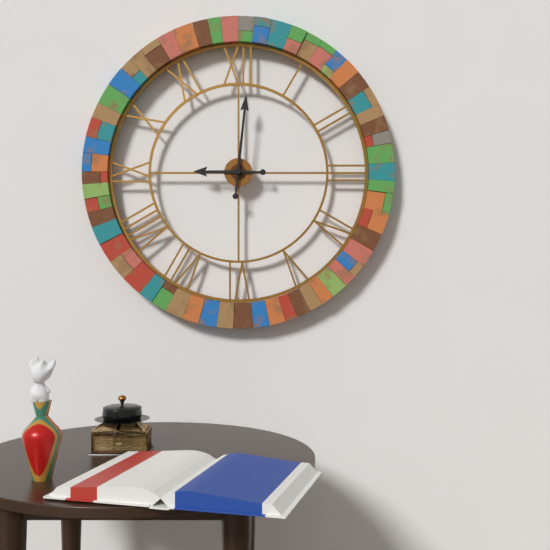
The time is 9,01
